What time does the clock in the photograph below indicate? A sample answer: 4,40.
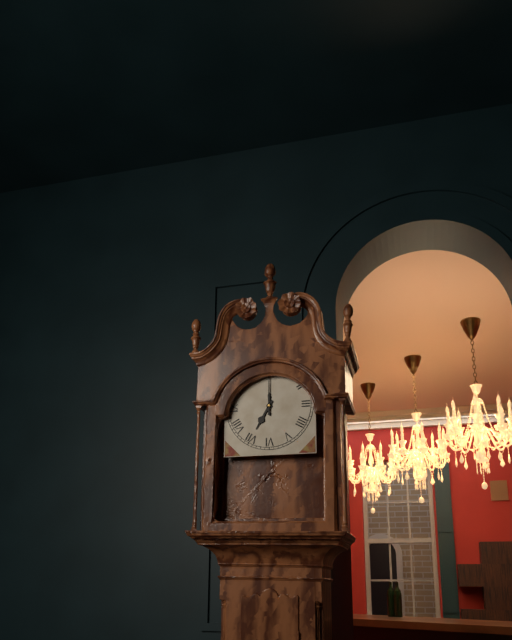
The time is 7,00
